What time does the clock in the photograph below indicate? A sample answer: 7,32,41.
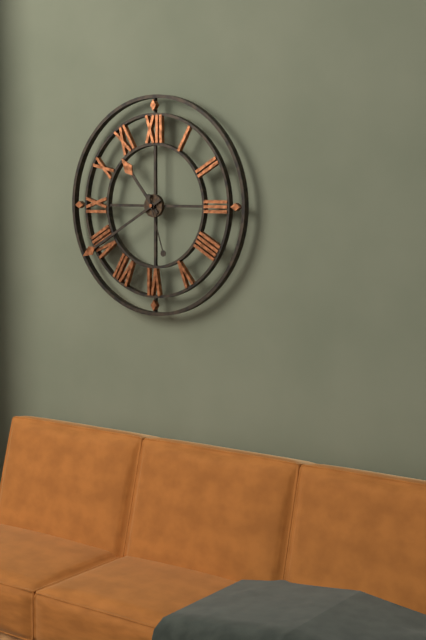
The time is 10,40,27
